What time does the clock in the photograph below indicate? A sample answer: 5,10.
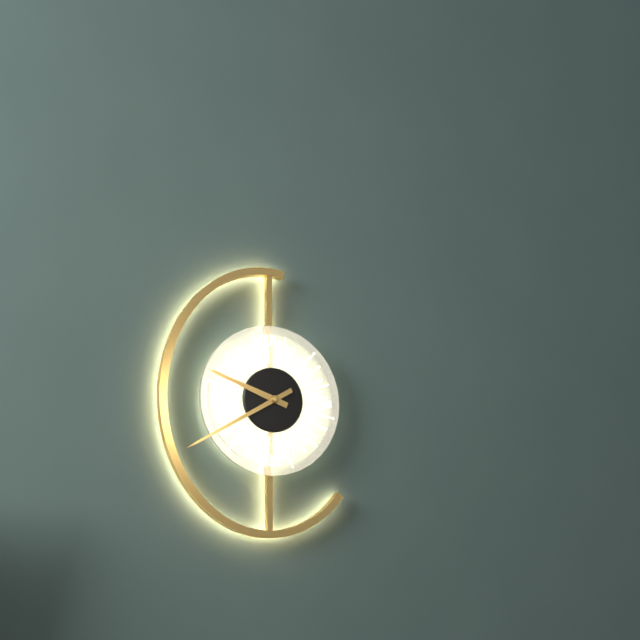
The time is 9,40
